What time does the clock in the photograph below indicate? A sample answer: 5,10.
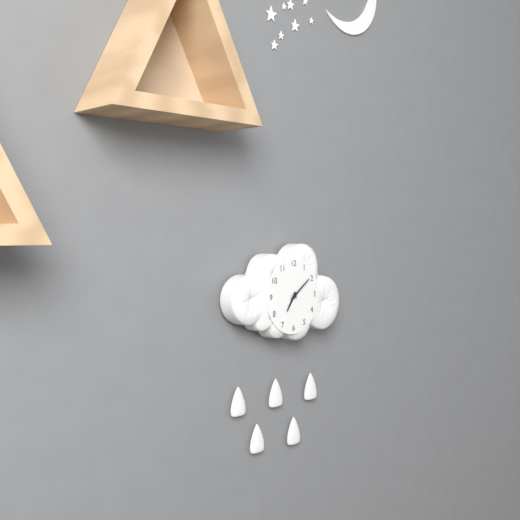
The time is 7,09
